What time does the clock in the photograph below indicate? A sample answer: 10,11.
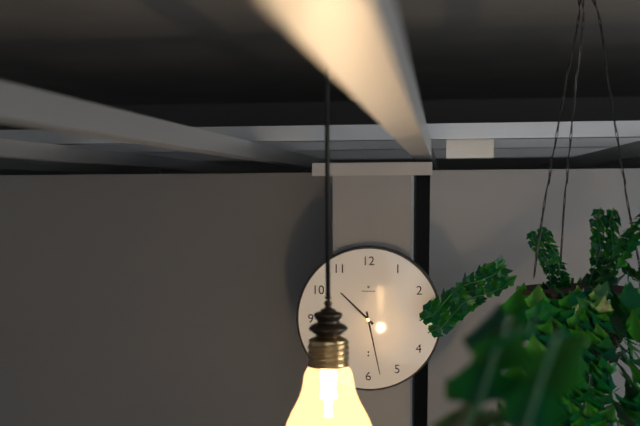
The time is 10,28
